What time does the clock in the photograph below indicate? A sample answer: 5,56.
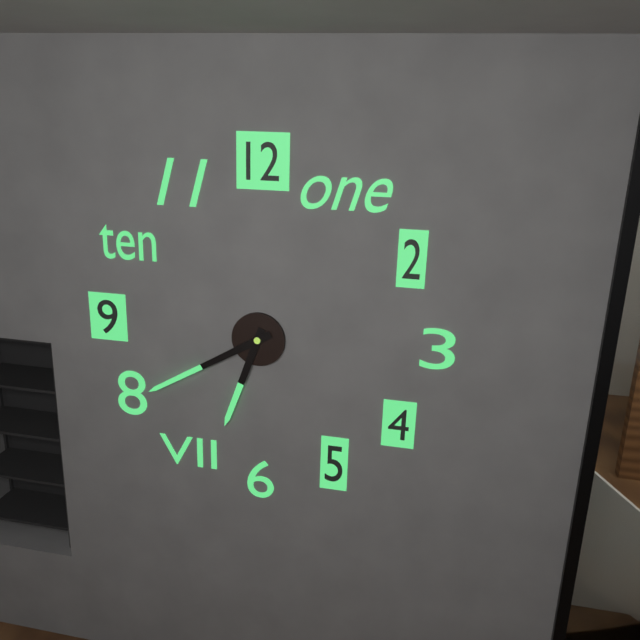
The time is 6,40
